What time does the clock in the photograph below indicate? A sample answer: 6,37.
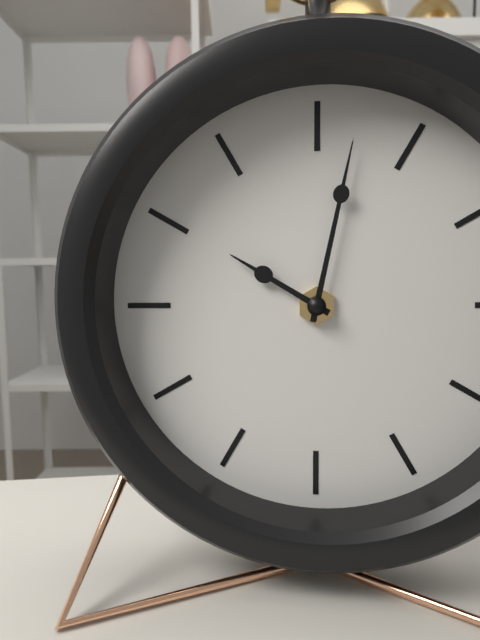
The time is 10,02
